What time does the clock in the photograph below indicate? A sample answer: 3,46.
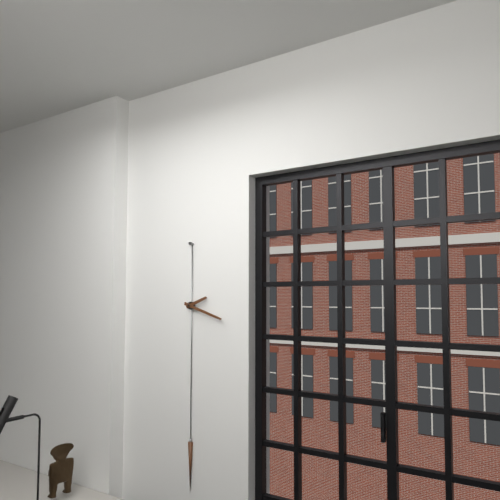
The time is 2,18
